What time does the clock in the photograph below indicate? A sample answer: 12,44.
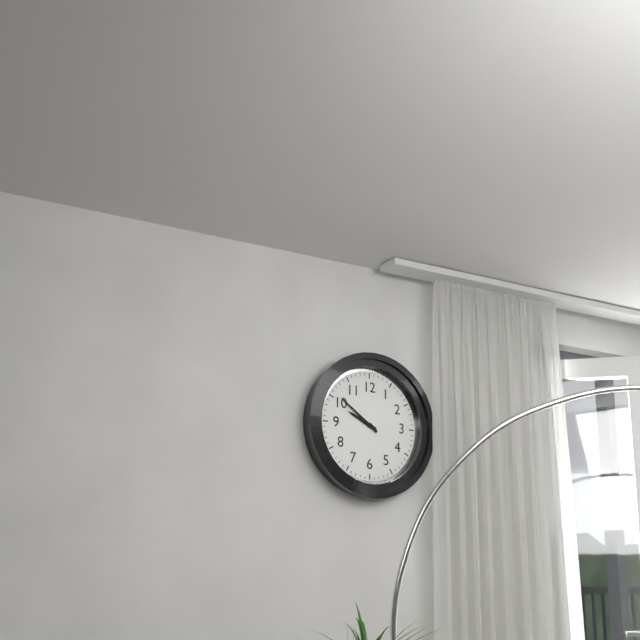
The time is 9,51
